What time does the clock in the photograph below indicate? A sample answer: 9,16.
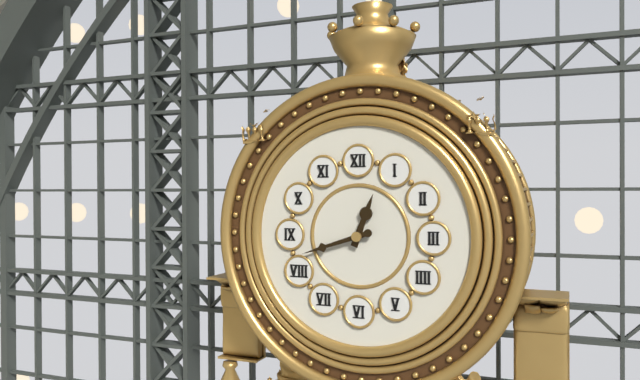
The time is 12,42
